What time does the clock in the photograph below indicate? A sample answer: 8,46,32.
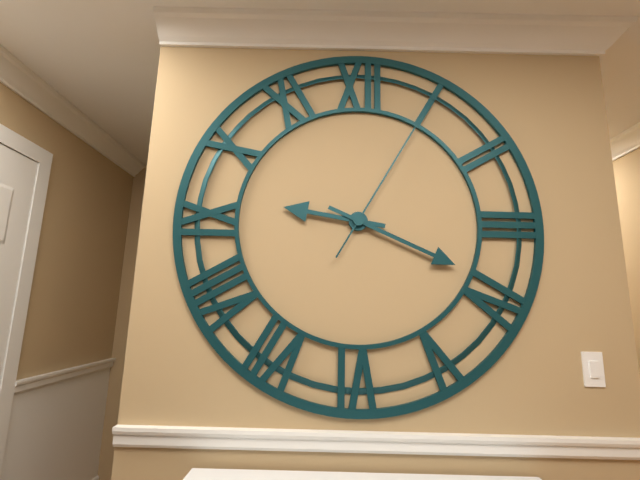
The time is 9,19,05
